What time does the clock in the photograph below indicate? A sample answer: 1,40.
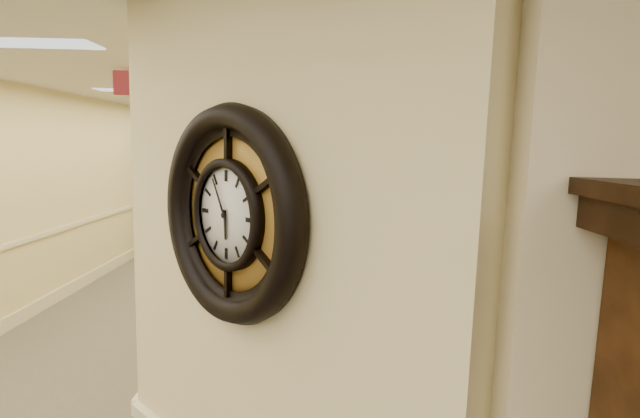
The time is 5,55
